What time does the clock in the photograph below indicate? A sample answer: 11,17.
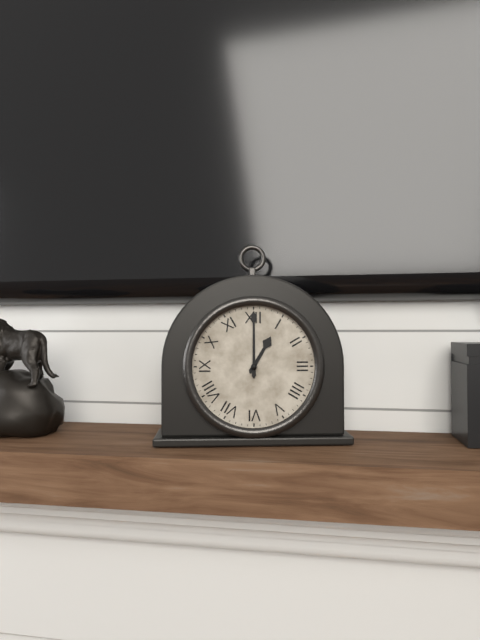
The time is 1,00
